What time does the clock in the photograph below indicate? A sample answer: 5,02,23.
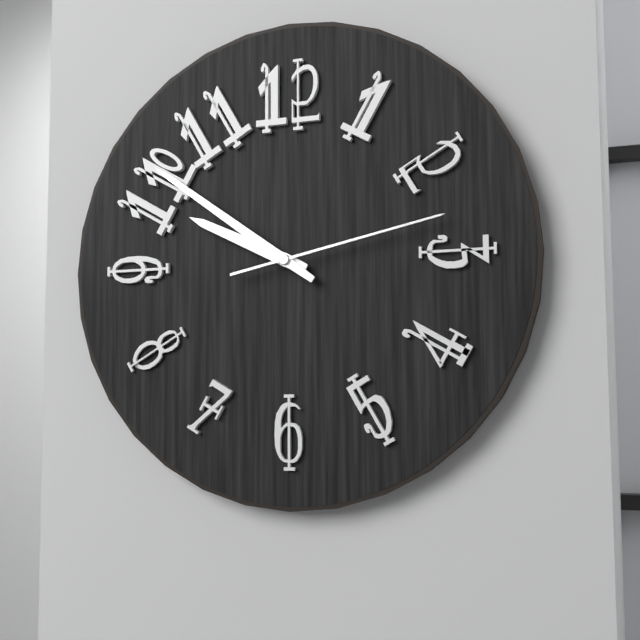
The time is 9,51,13
